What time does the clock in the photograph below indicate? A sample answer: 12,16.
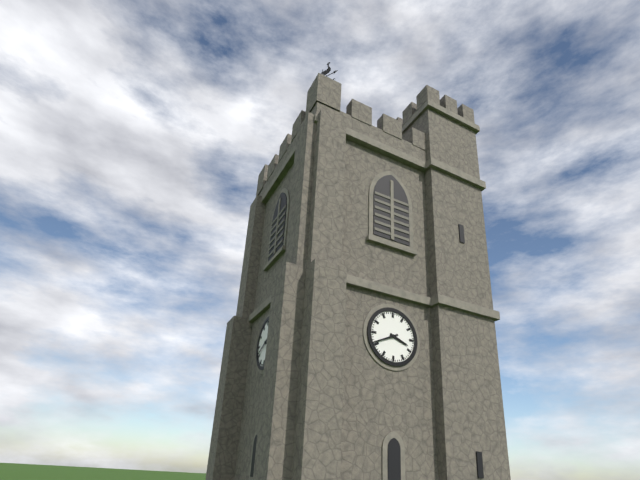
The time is 3,41
